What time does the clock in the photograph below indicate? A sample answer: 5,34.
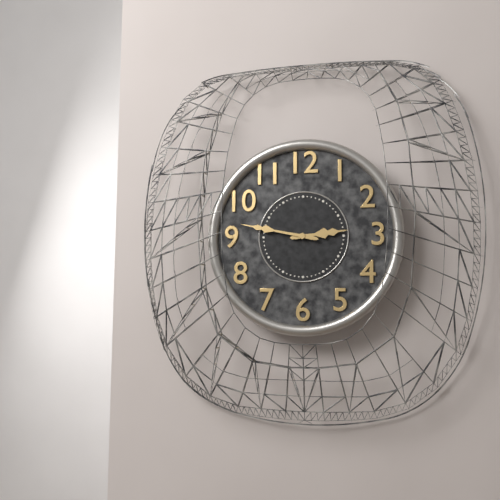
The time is 2,47
